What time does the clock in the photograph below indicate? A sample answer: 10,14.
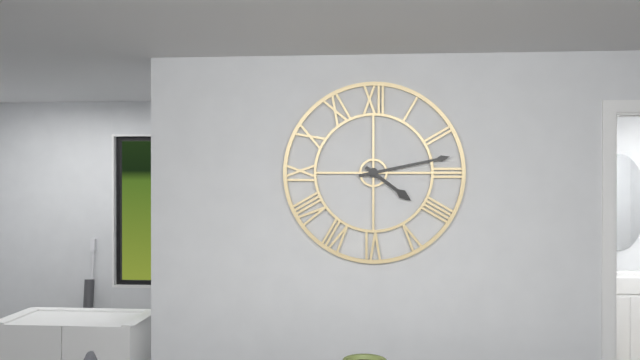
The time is 4,13
